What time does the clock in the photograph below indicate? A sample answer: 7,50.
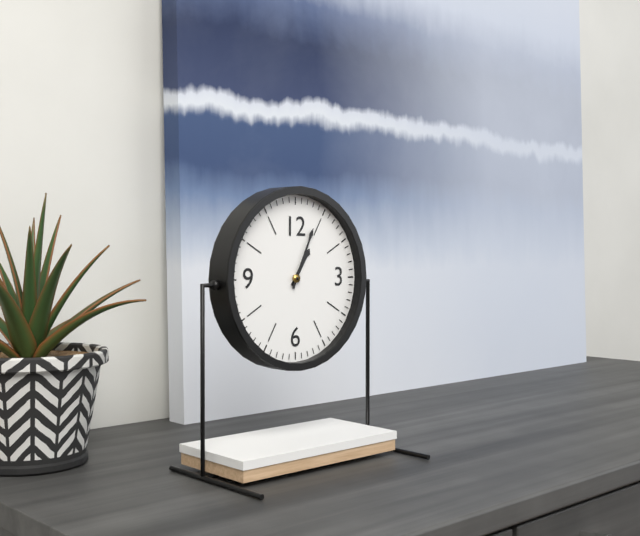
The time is 1,04
